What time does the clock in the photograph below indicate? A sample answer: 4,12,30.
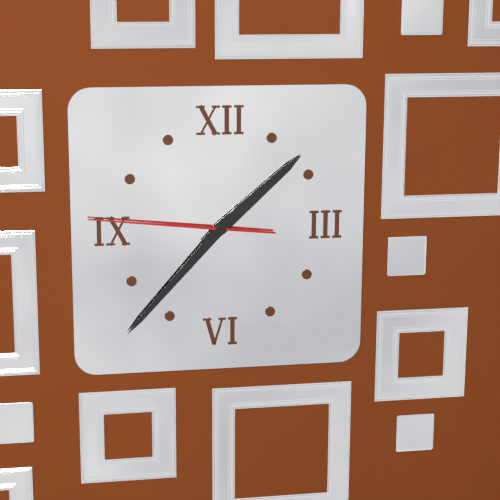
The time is 1,37,46
